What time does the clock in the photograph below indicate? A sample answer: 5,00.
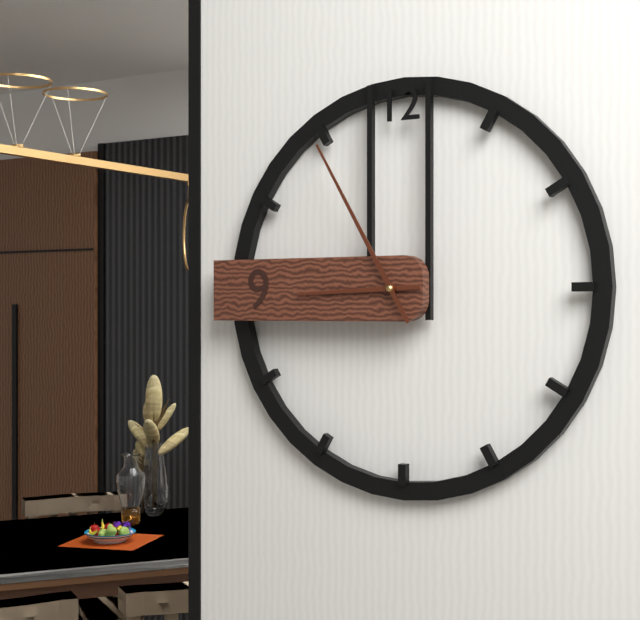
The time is 8,55
